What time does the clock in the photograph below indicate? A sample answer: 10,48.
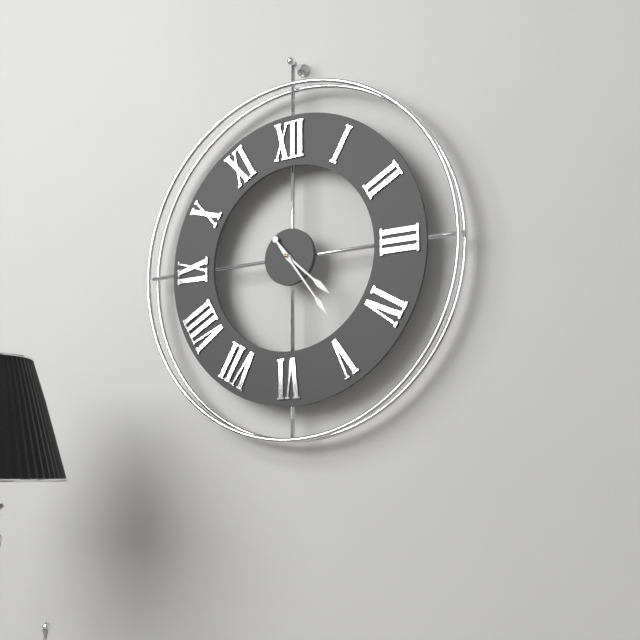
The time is 4,24
